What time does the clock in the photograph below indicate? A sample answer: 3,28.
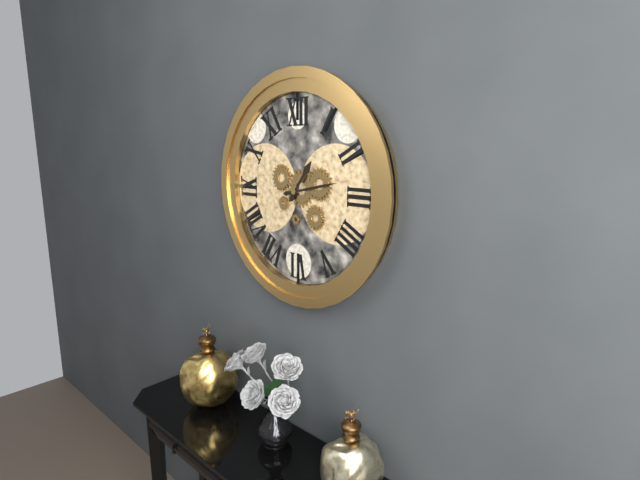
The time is 1,13
